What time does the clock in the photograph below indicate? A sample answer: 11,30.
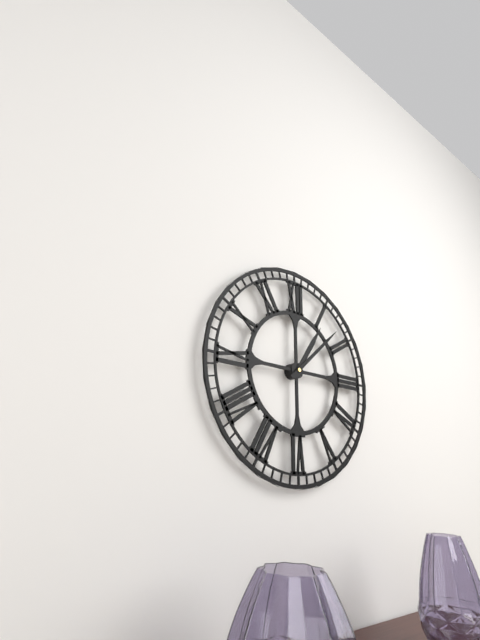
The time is 1,08
